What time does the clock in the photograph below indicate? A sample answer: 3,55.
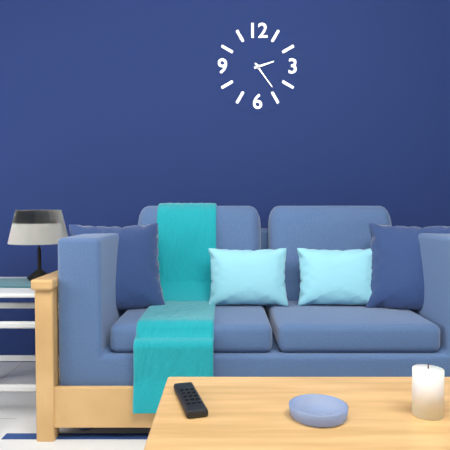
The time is 2,24
